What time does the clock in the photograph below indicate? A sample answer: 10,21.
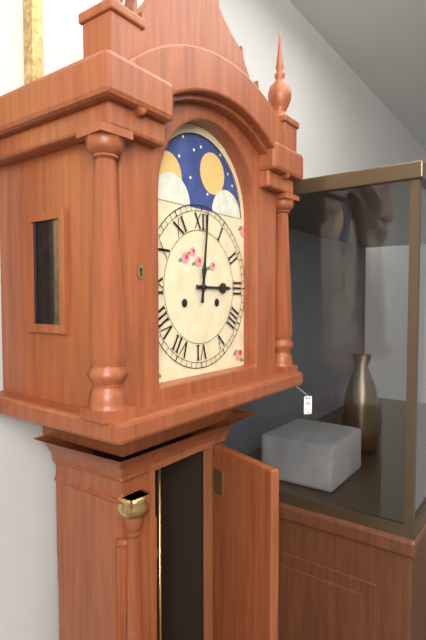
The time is 3,01
